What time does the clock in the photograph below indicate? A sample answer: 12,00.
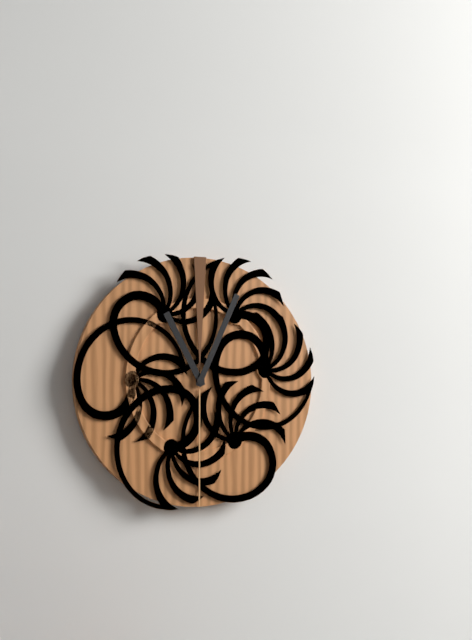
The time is 11,04
